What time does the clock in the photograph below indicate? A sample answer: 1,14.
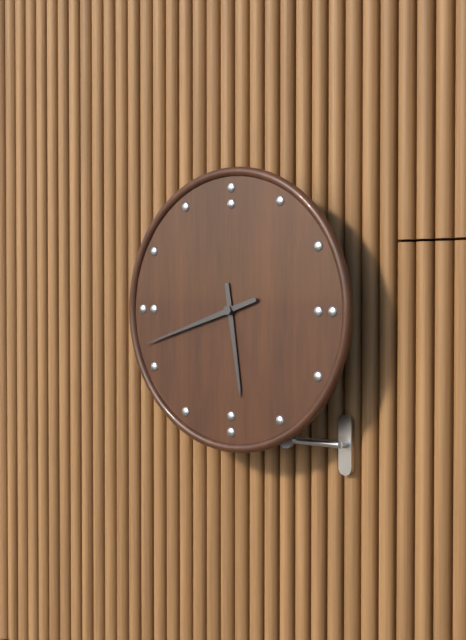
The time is 5,42
